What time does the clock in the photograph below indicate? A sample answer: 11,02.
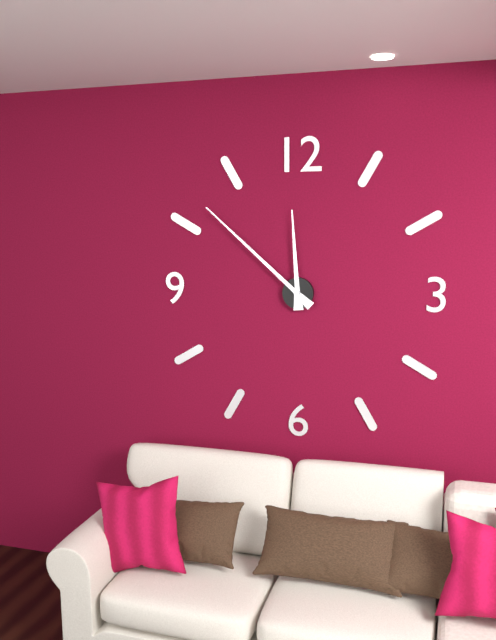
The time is 11,52
